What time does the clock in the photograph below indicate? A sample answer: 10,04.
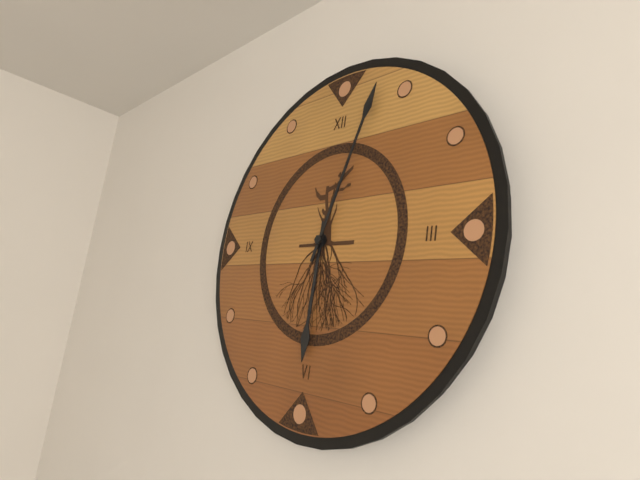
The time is 6,03
